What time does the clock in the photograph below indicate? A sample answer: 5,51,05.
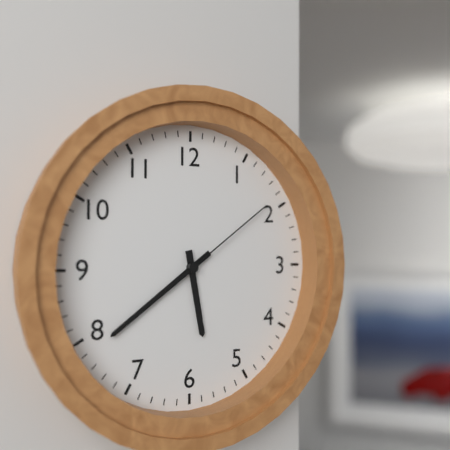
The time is 5,39,09
